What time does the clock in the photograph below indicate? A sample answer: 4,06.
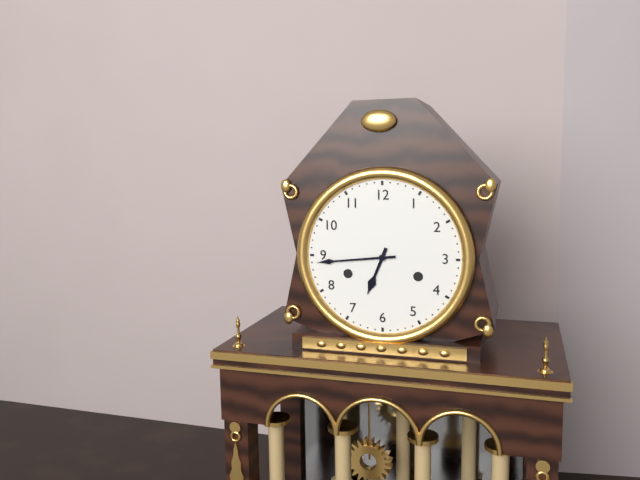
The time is 6,44
